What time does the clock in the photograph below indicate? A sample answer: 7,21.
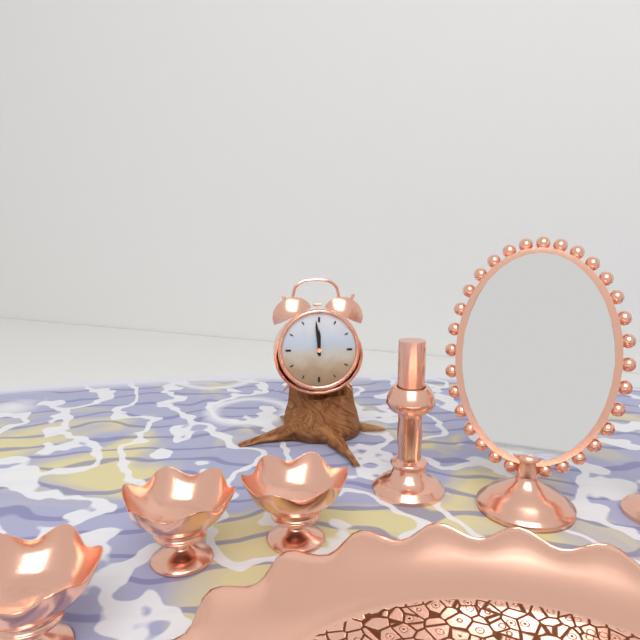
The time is 11,59
